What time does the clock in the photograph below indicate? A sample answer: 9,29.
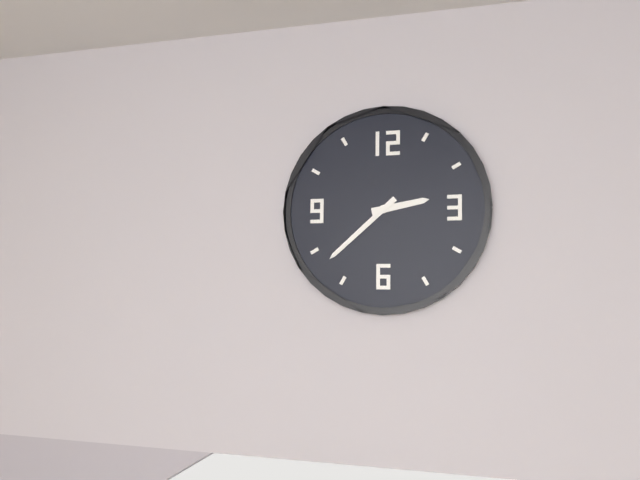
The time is 2,38
